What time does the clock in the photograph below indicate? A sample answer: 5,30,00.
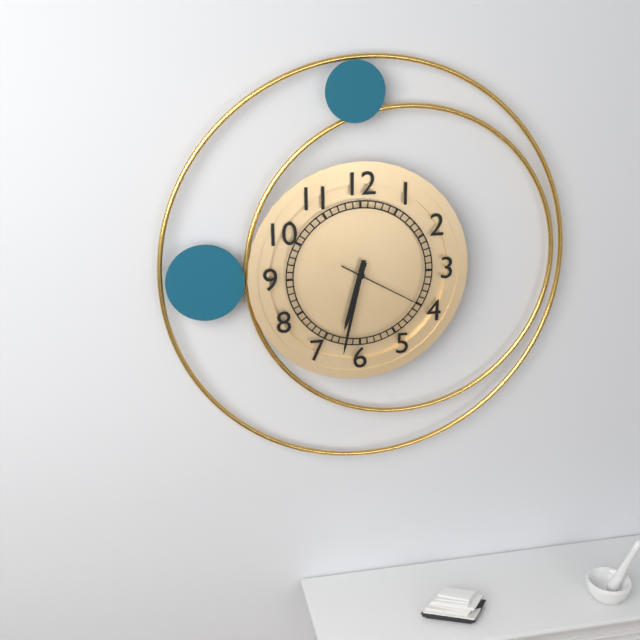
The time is 6,32,20
